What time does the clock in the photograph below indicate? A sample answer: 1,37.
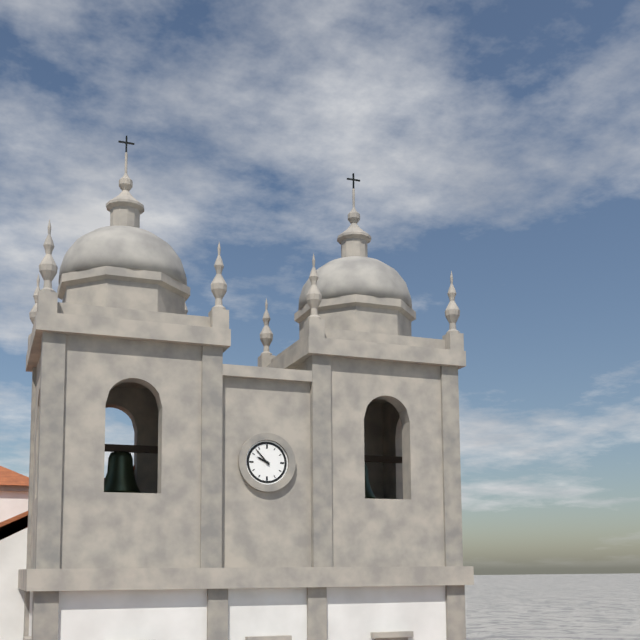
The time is 9,53
